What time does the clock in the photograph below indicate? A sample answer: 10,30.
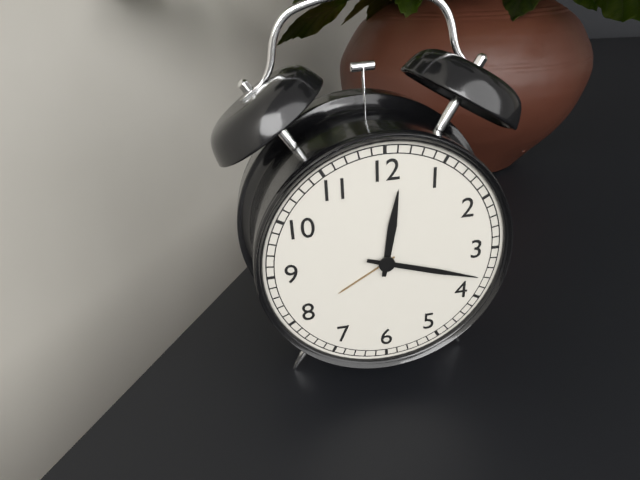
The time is 12,18
